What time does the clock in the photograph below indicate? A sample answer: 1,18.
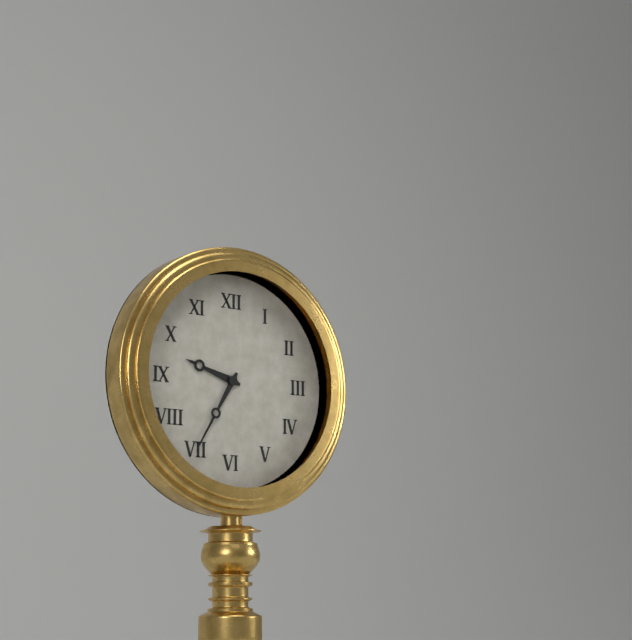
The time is 9,35
